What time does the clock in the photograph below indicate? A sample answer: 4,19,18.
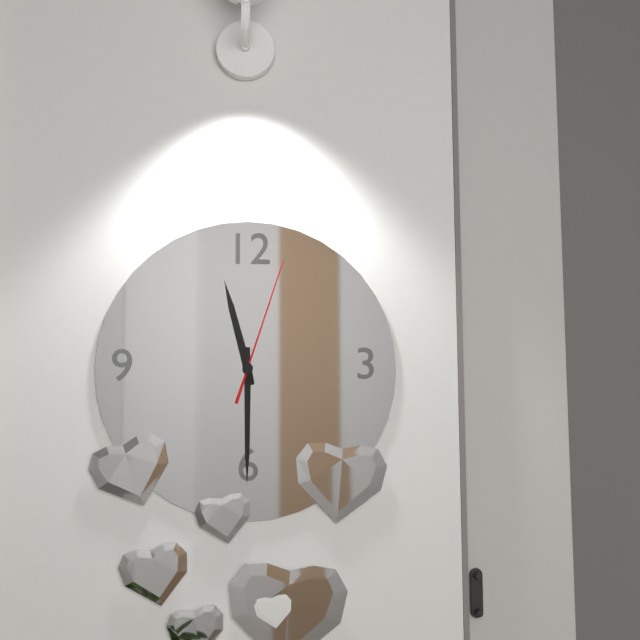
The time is 11,30,03
